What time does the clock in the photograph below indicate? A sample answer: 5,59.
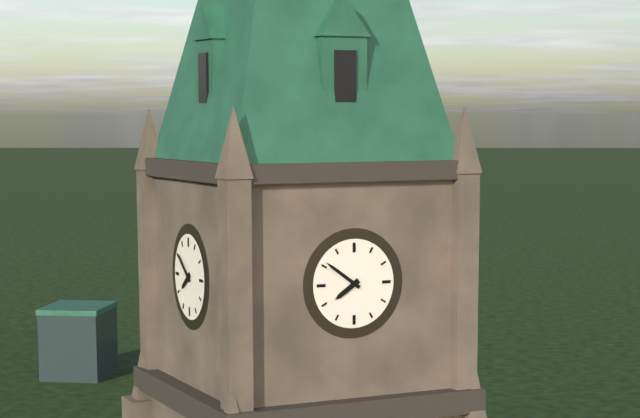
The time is 7,51
